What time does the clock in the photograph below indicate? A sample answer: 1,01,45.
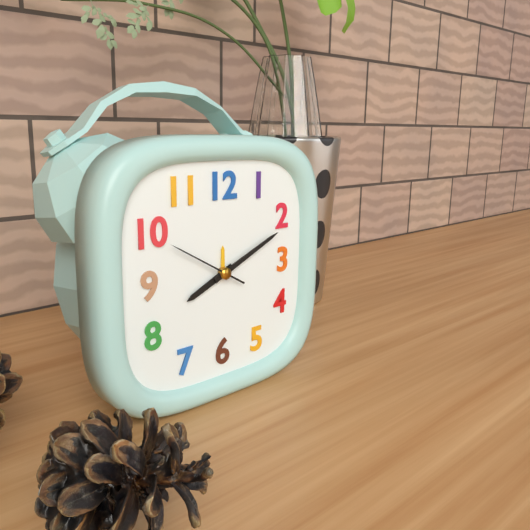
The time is 8,11,50
